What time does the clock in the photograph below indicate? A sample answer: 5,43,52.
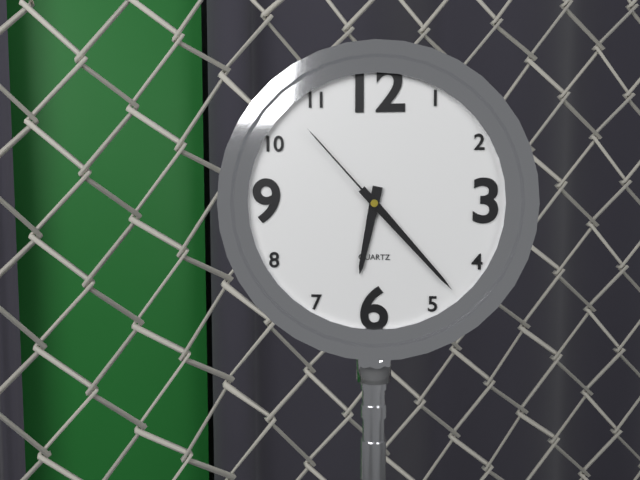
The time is 6,23,53
